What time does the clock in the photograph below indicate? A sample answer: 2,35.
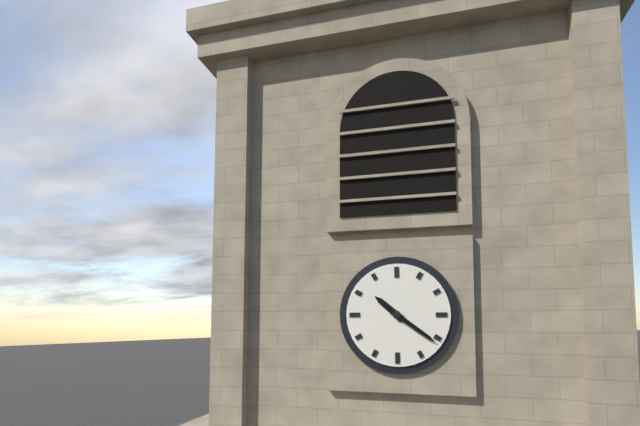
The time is 10,21
